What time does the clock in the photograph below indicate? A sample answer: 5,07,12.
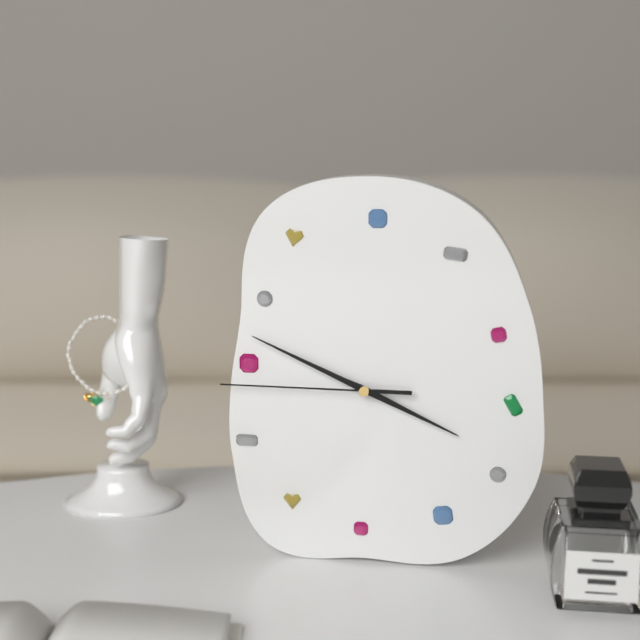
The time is 3,49,45
